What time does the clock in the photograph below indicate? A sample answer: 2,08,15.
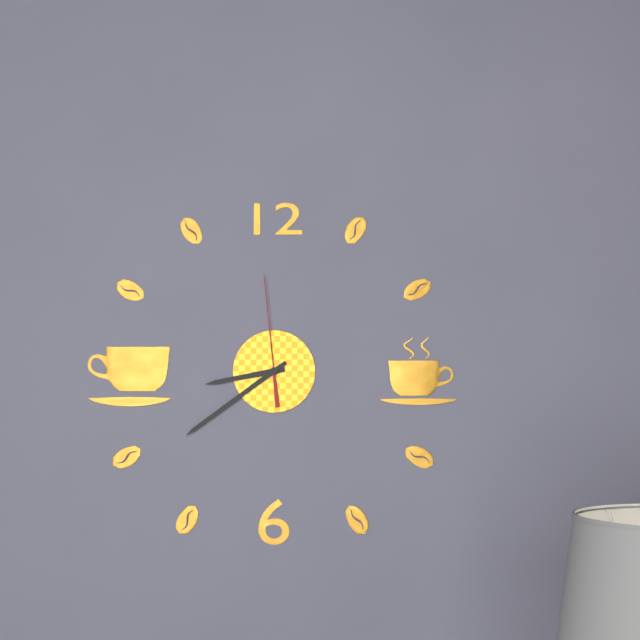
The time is 8,39,59
